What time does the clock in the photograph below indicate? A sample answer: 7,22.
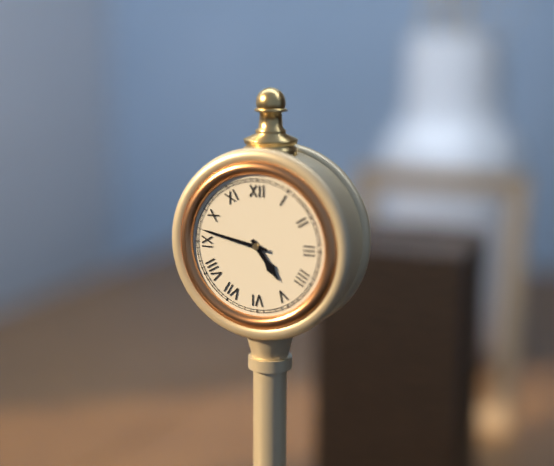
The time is 4,47
